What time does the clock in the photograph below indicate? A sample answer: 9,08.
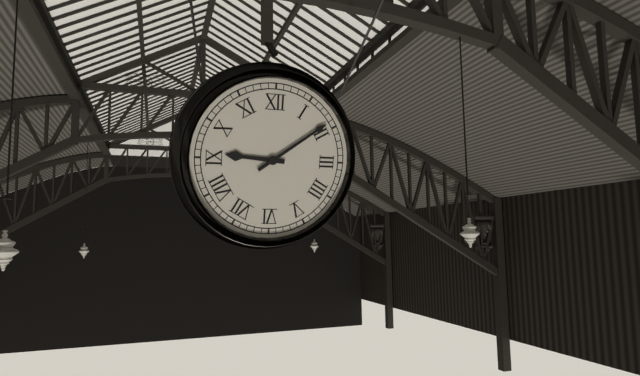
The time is 9,09
